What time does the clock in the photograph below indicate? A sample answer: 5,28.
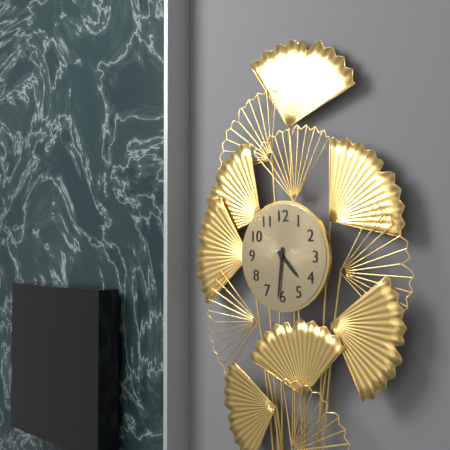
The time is 4,31
